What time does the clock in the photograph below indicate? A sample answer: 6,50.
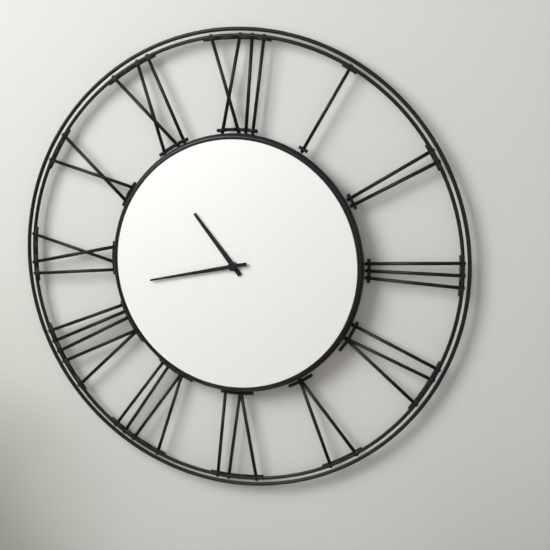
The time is 10,43
